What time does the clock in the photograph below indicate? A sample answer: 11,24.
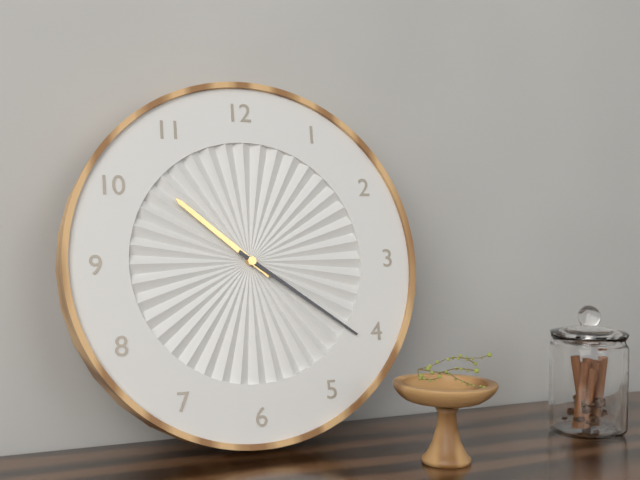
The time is 10,21
